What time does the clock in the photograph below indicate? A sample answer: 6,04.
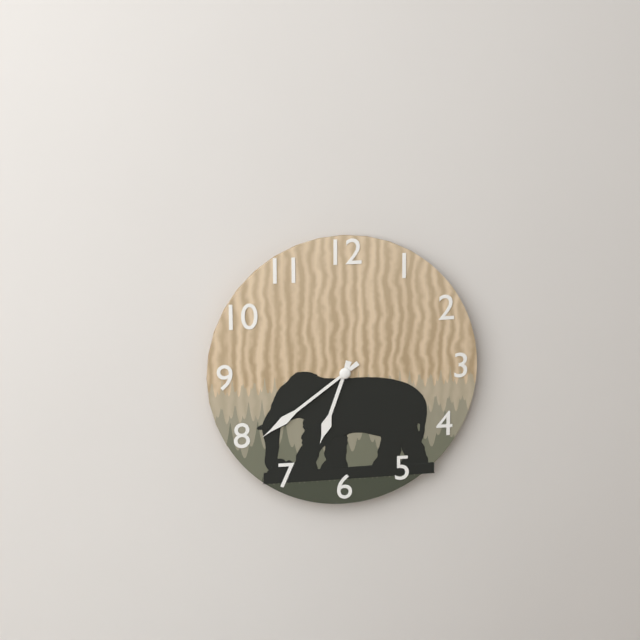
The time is 6,39
